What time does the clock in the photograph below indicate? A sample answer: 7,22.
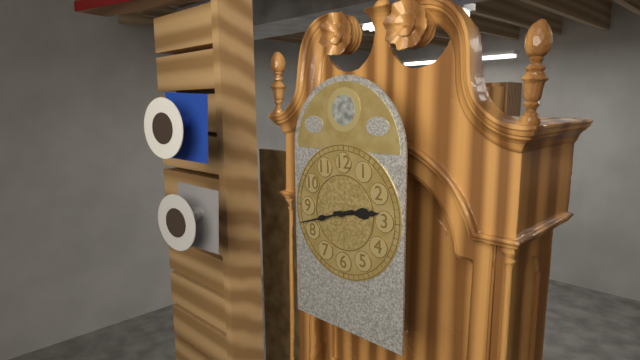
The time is 2,42
